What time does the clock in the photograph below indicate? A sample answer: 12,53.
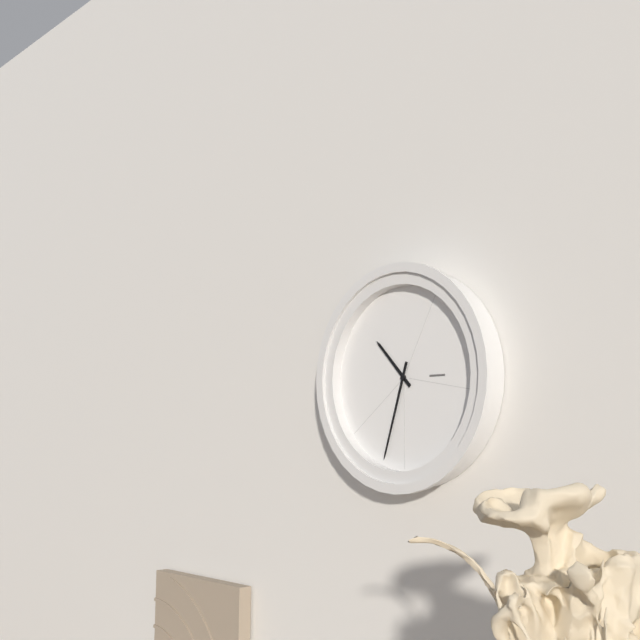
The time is 10,33
